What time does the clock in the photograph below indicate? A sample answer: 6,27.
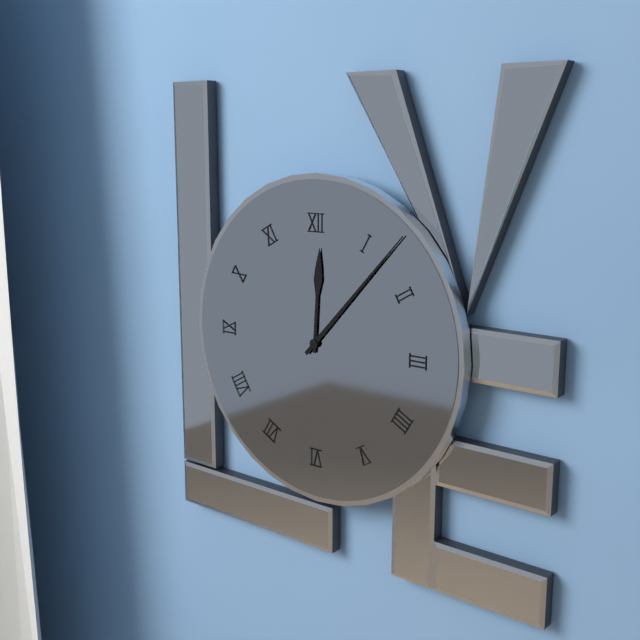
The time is 12,07
